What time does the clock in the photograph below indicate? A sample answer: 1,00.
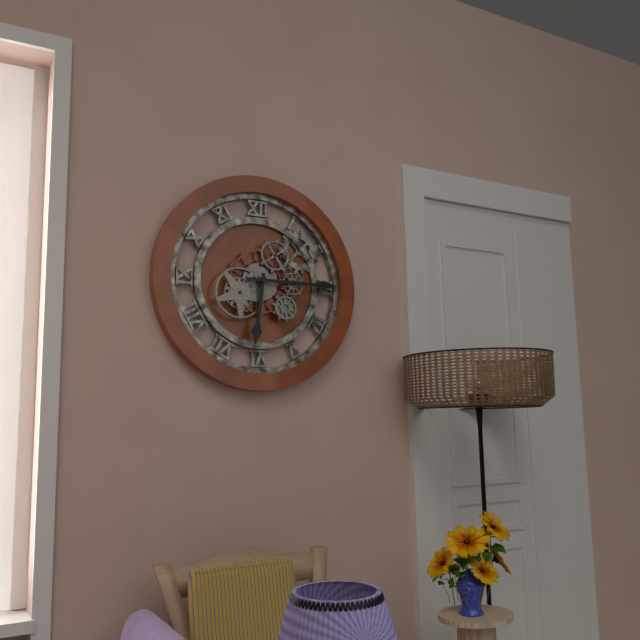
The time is 6,15
